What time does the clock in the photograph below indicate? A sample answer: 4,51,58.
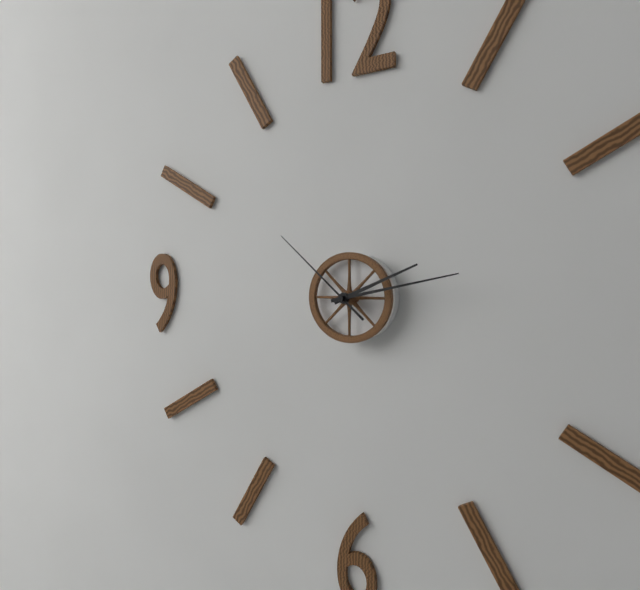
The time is 2,13,52
